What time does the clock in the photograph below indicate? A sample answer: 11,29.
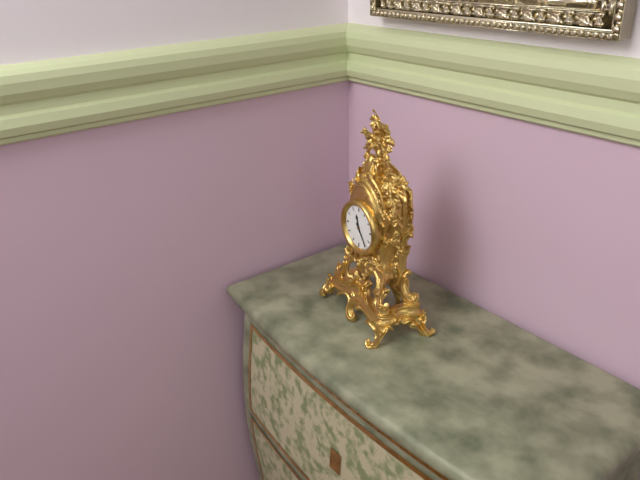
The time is 11,24
